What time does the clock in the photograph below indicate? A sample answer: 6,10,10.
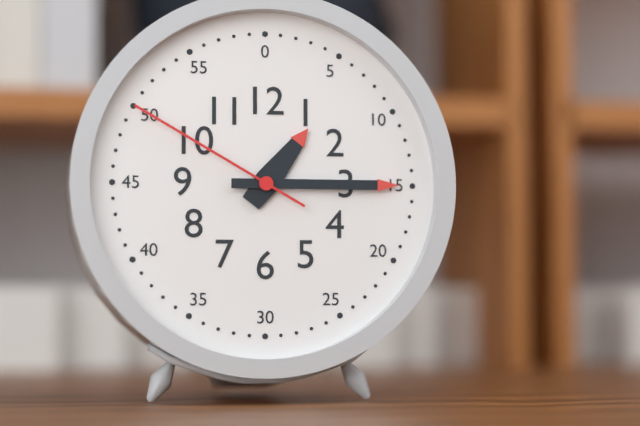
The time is 1,15,50
